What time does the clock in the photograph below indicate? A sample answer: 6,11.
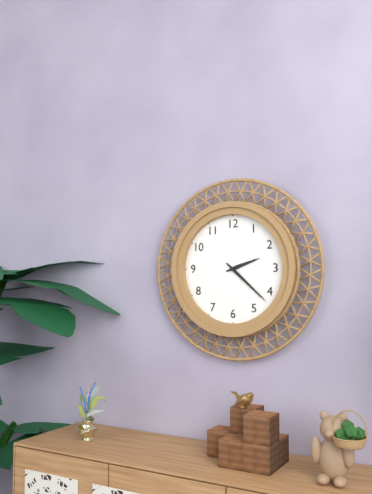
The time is 2,22
